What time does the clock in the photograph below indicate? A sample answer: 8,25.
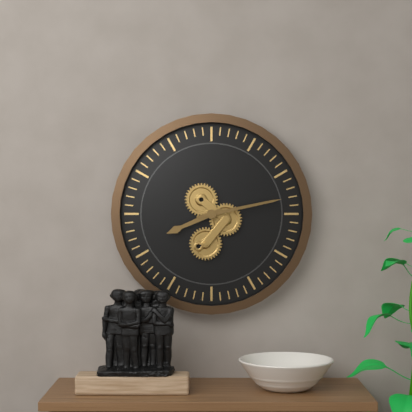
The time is 8,13
